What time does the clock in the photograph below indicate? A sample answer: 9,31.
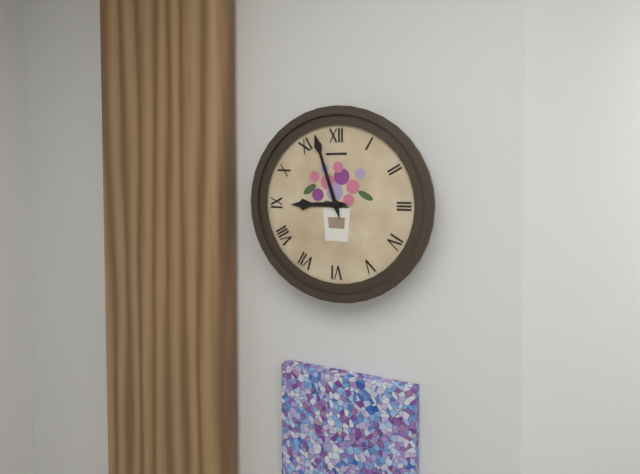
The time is 8,57
